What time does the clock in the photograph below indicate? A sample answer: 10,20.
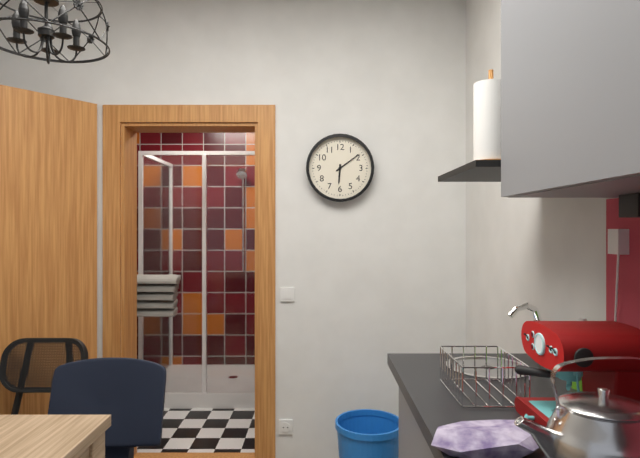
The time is 6,09
